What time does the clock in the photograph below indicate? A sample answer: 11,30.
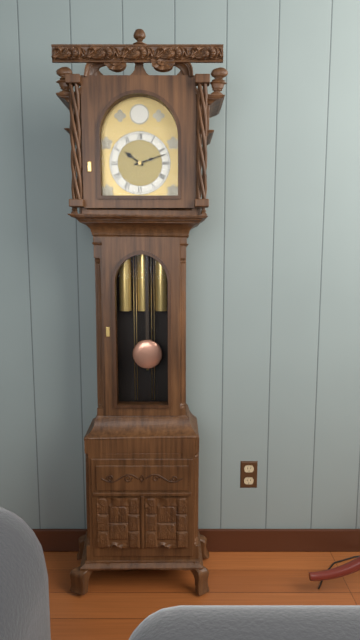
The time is 10,12
